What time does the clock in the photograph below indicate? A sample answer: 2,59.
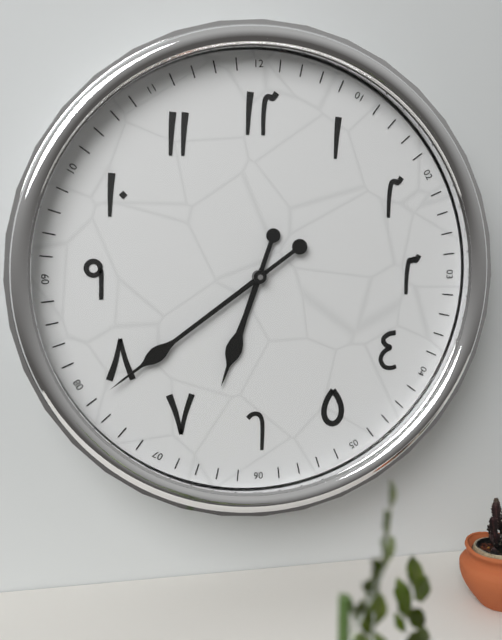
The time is 6,39
